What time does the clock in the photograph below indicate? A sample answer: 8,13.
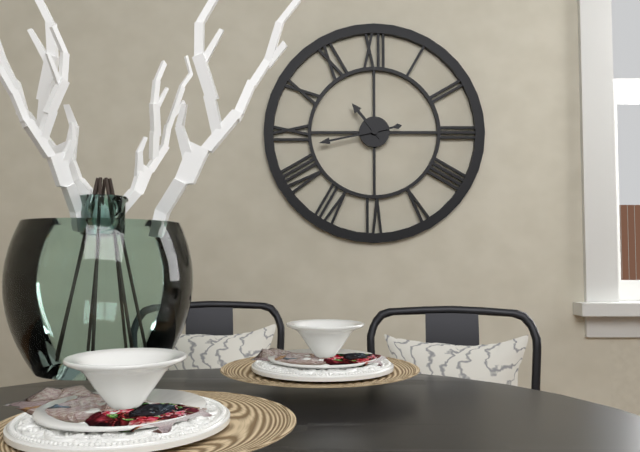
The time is 10,43
